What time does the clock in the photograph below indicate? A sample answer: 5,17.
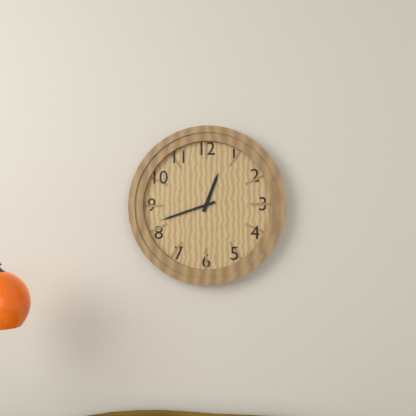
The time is 12,42
